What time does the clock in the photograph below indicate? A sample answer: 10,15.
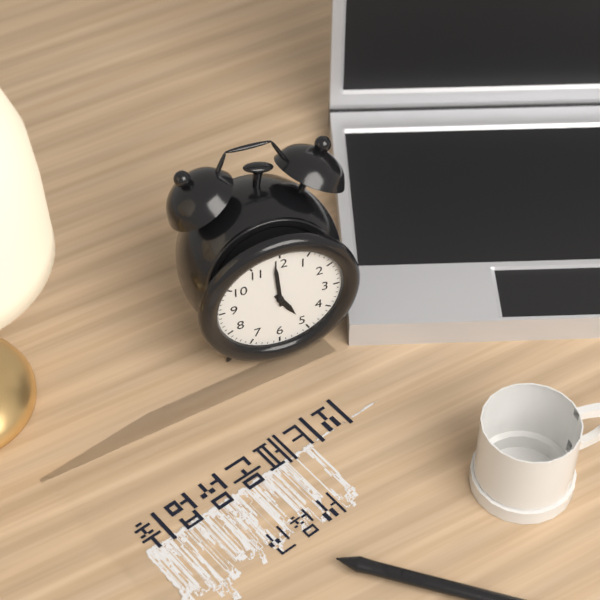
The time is 4,59
